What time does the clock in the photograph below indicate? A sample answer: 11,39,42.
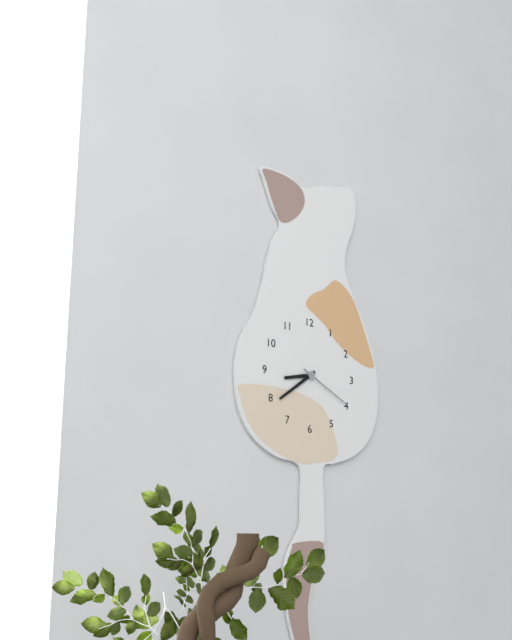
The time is 8,39,20
